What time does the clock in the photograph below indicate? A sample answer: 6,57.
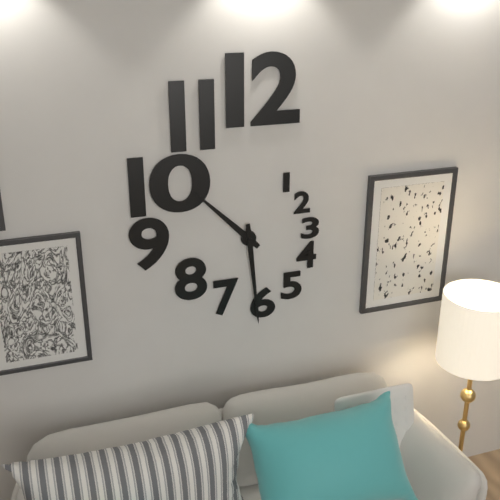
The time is 10,29
